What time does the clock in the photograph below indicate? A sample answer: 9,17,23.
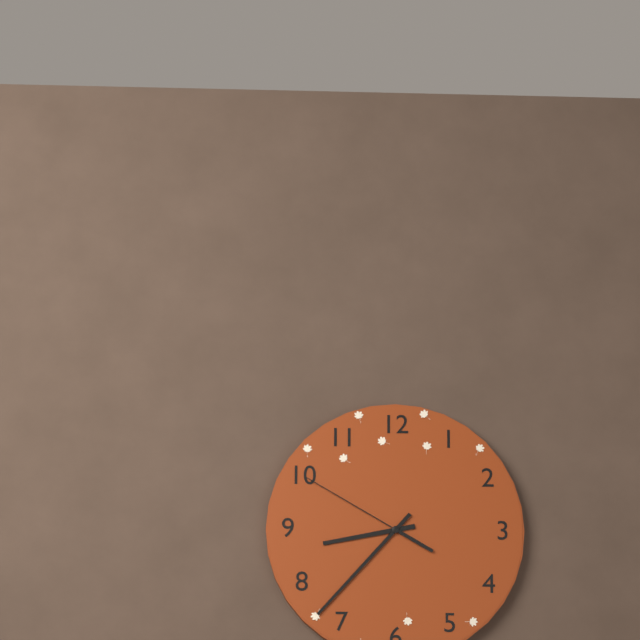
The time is 8,37,50
